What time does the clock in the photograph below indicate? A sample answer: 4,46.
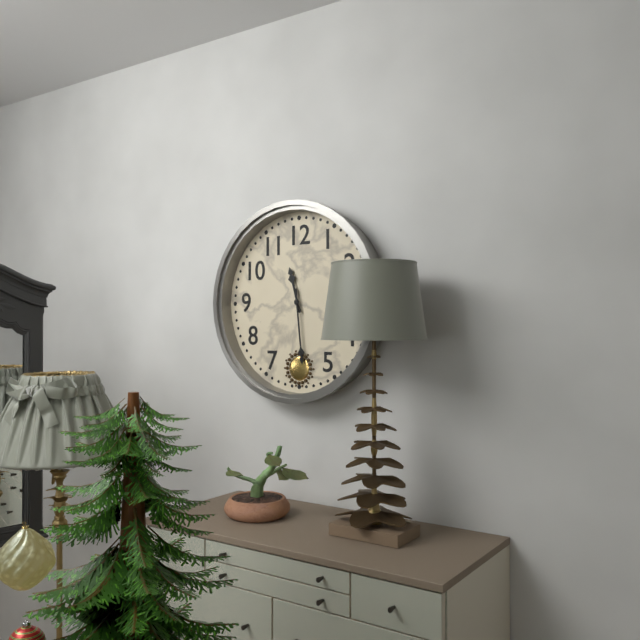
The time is 11,29
